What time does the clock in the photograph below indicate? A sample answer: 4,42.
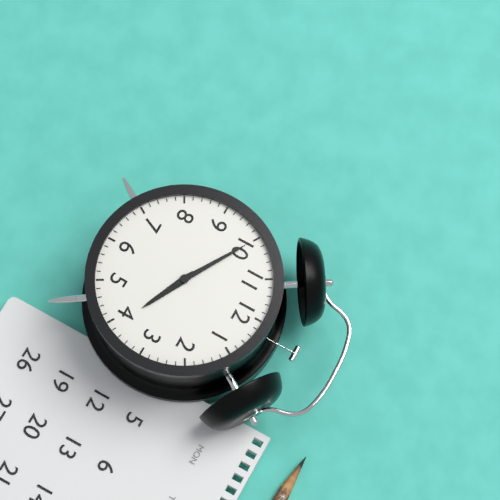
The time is 3,50
